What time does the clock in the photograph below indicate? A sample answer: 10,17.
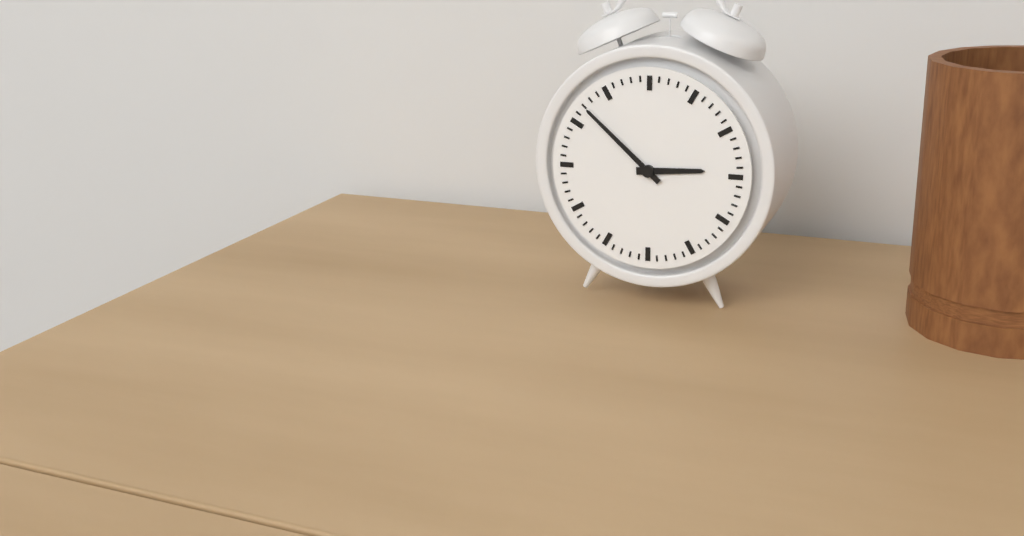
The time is 2,52
